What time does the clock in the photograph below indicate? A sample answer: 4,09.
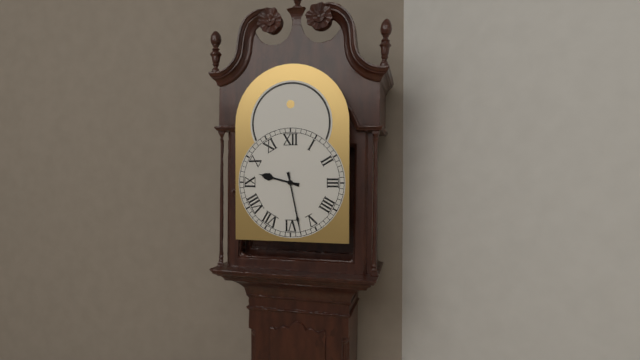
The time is 9,28
